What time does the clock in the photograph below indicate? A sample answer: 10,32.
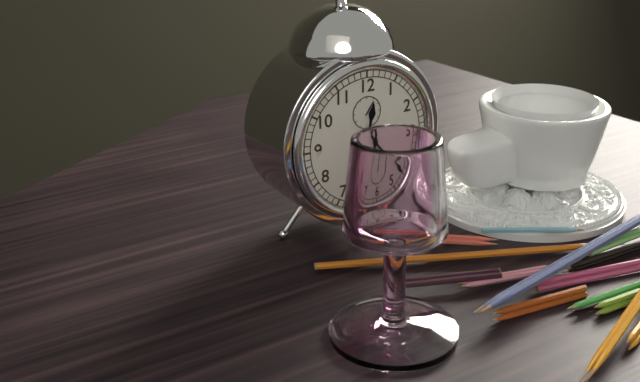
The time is 12,22
